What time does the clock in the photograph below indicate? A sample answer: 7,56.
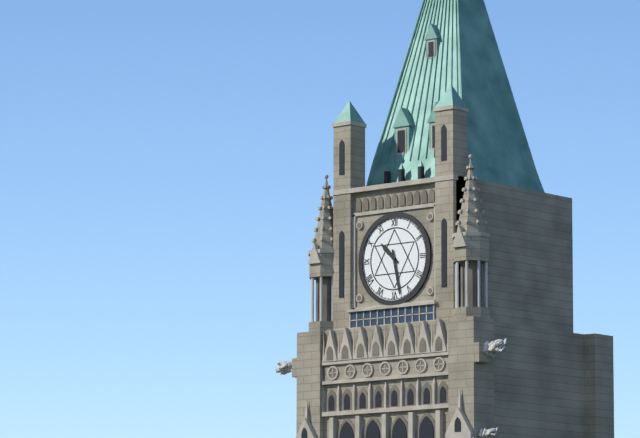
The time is 10,28
